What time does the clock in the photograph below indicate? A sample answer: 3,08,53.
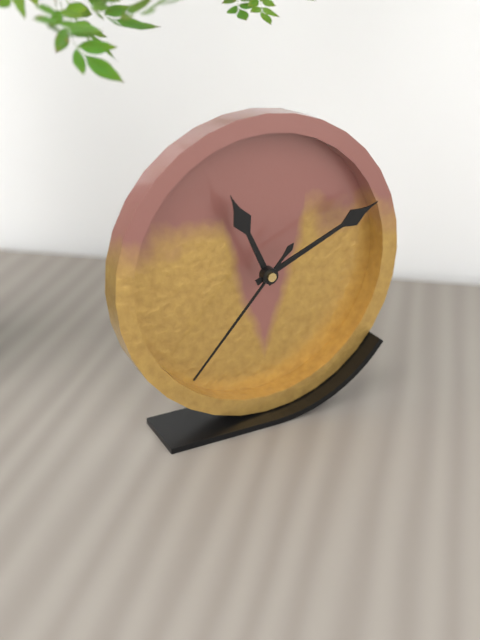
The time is 11,11,37
